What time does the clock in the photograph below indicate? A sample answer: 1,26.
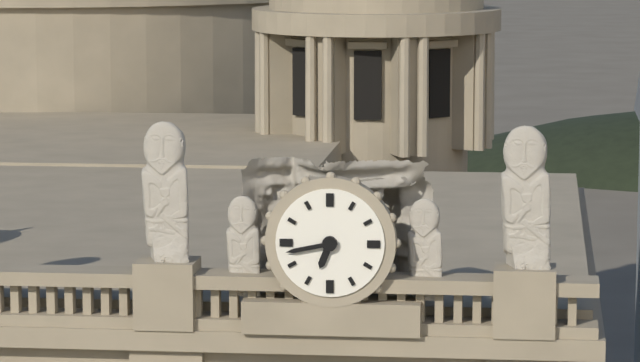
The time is 6,43
